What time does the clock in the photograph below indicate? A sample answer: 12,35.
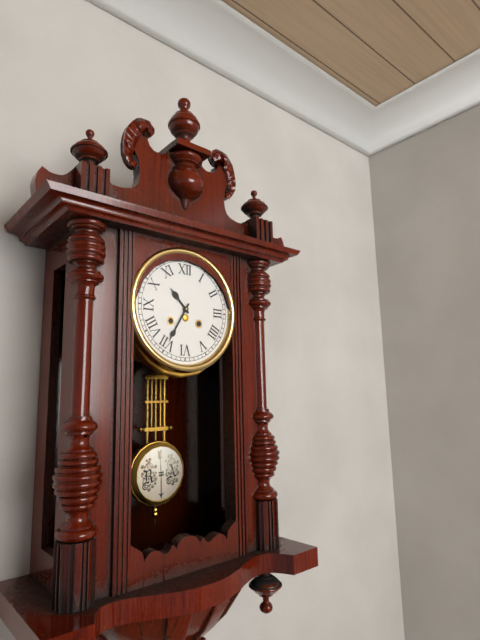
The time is 10,35
